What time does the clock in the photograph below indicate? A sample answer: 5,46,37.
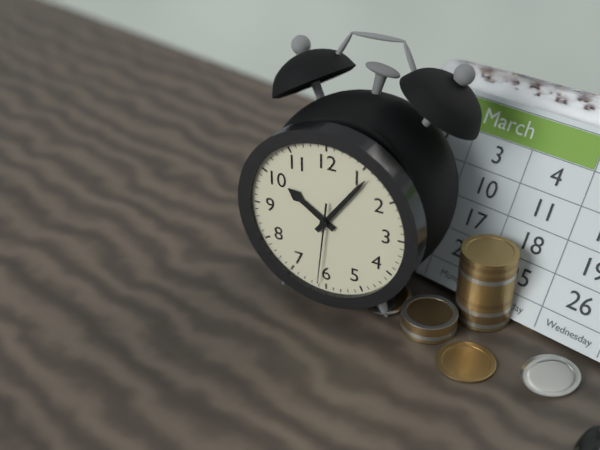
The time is 10,06,31
